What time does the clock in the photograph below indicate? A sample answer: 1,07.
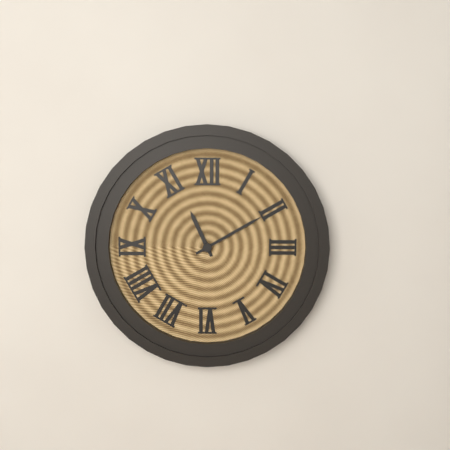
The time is 11,10
